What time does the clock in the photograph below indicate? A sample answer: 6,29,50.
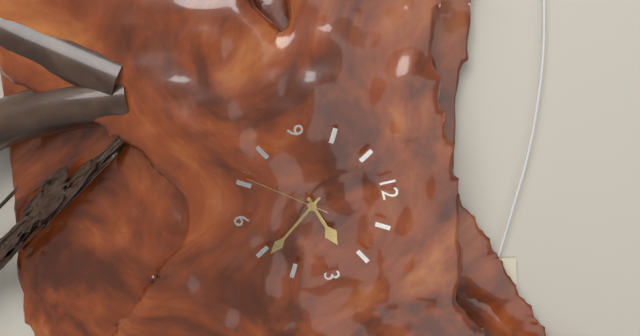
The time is 2,24,36
